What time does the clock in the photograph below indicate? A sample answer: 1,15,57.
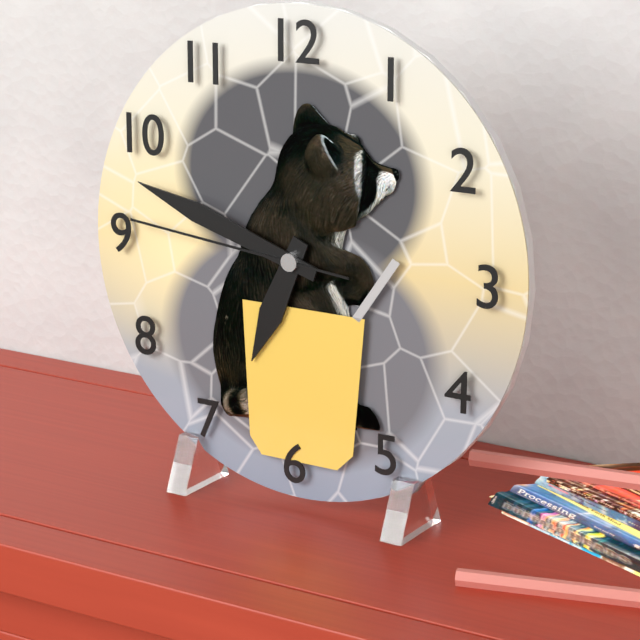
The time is 6,48,46
